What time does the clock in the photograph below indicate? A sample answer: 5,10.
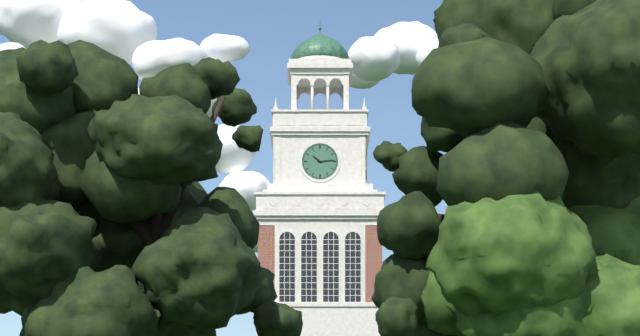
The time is 10,14
